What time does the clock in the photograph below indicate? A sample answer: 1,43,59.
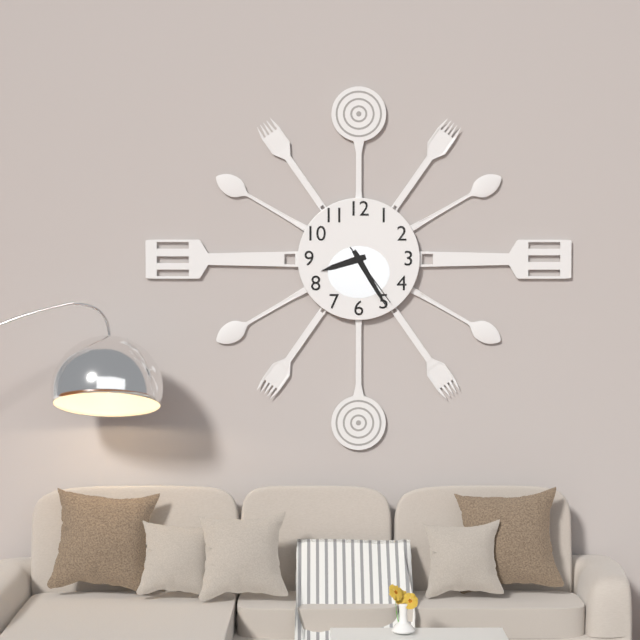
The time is 8,25,24
